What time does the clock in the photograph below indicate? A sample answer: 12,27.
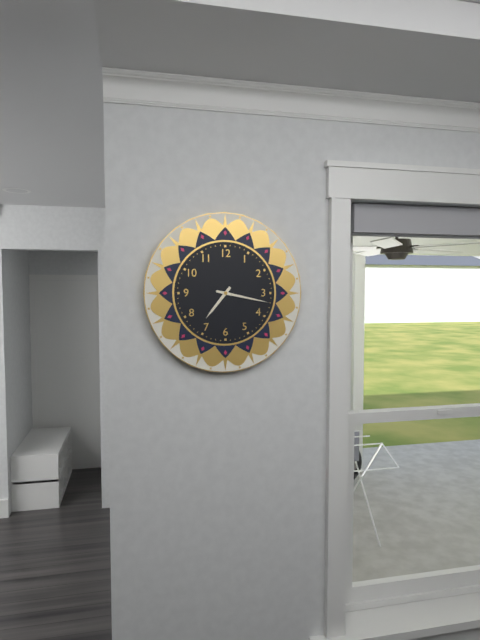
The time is 7,17
